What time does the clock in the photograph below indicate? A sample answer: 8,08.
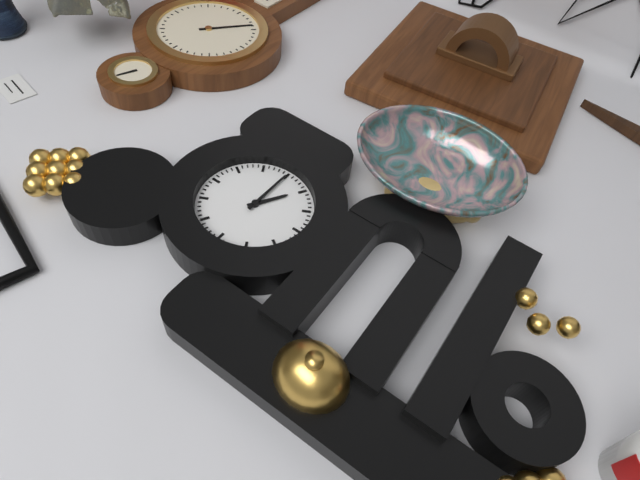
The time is 1,00
